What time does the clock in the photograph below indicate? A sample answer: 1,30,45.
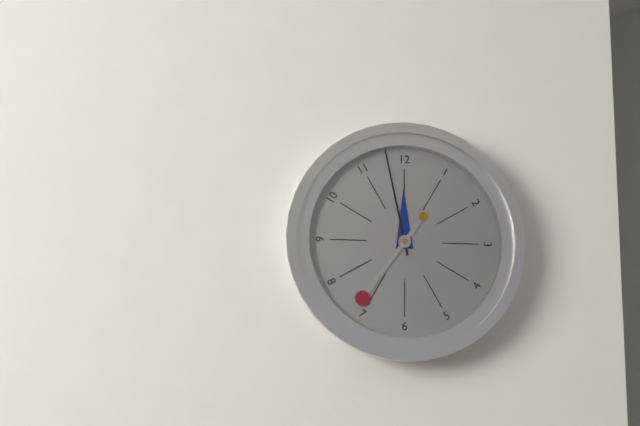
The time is 11,58,36
